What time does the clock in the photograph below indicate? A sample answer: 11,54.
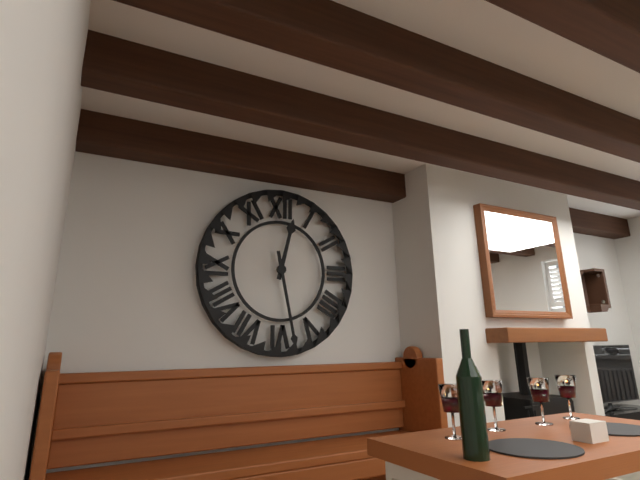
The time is 12,28
